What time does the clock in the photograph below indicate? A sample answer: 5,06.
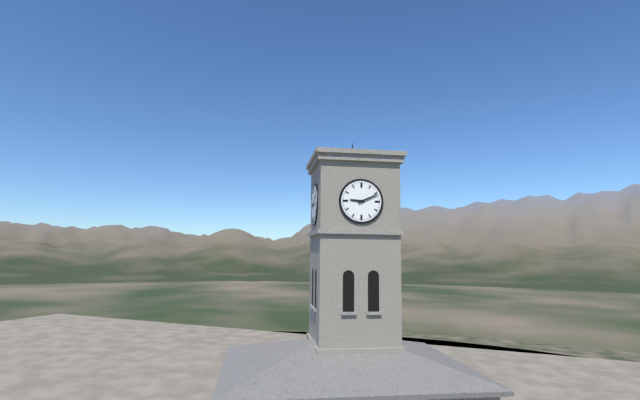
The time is 9,11
